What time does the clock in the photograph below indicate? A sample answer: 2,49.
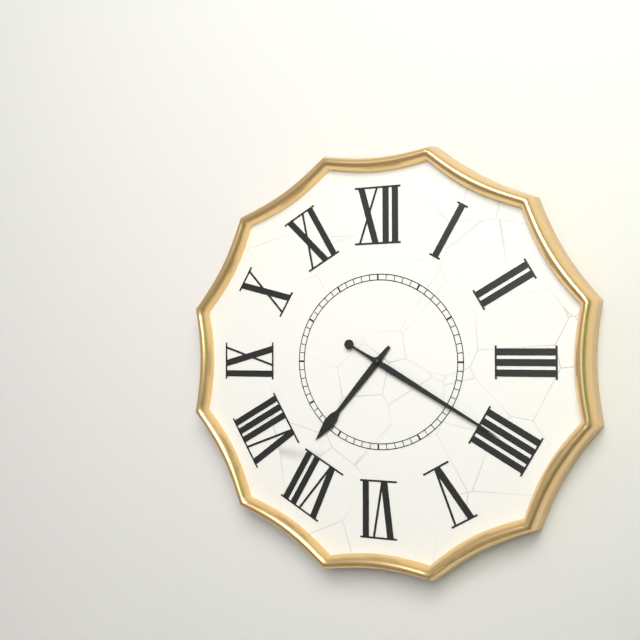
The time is 7,20
